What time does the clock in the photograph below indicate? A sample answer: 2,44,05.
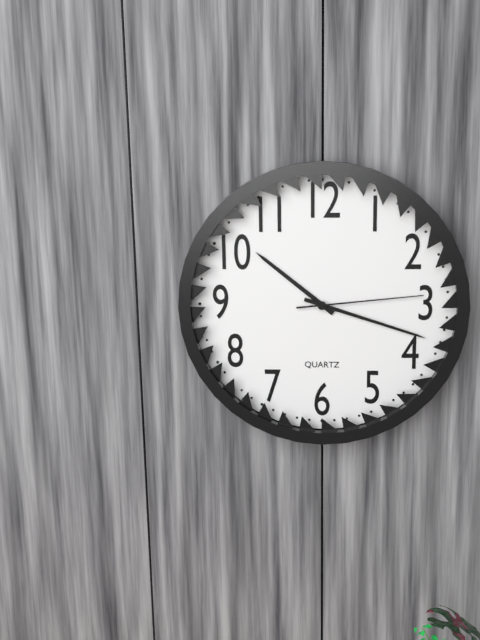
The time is 10,18,14
